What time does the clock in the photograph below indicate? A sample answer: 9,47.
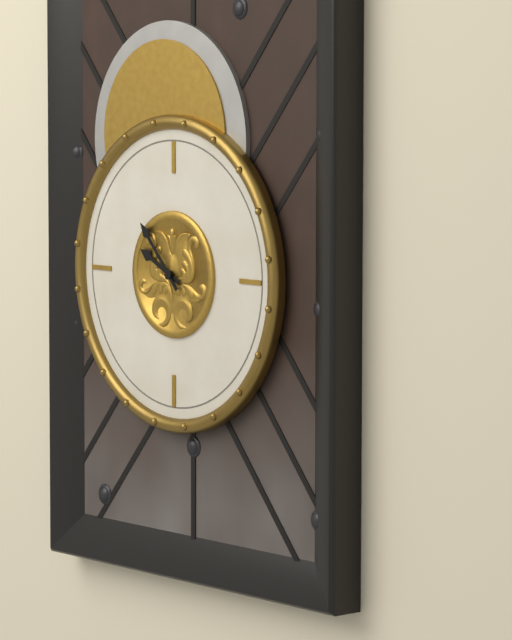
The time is 9,53
